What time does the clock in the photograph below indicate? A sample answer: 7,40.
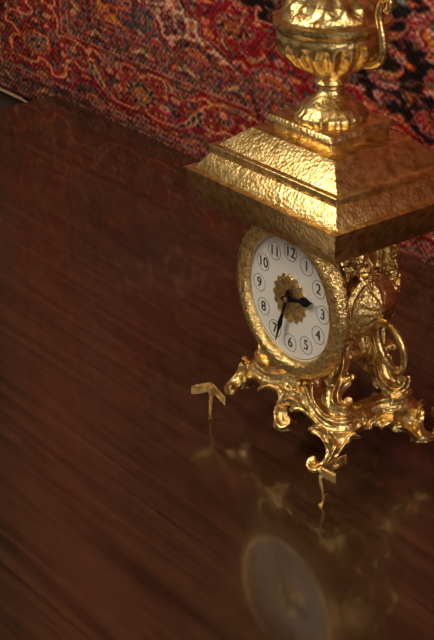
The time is 2,33
